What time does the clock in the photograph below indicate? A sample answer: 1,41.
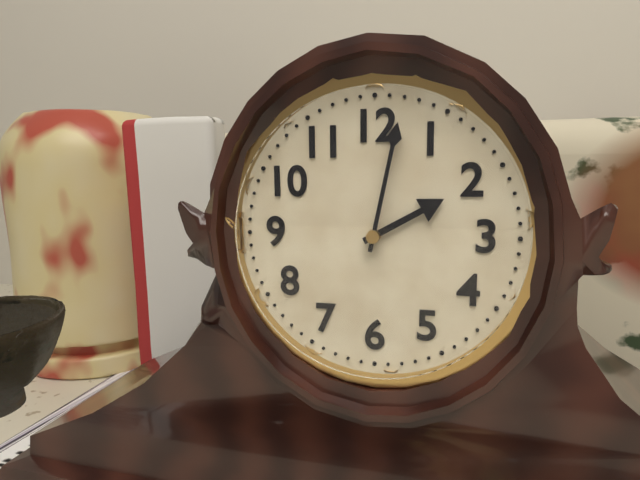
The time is 2,02
